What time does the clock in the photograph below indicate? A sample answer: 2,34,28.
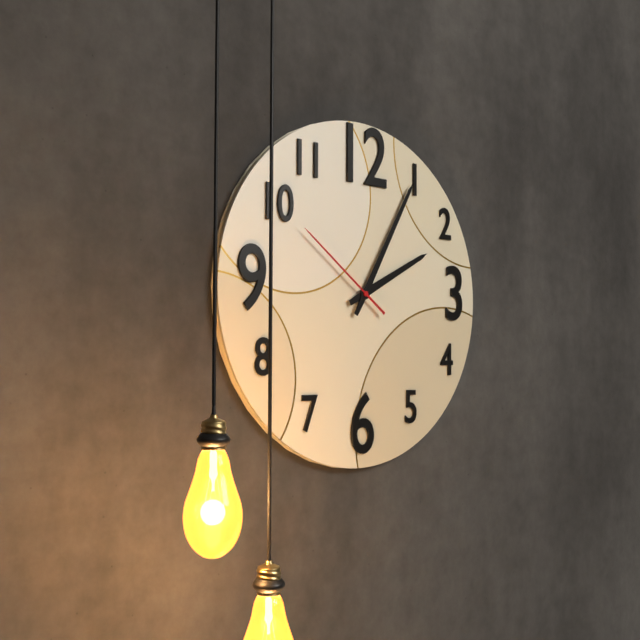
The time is 2,05,51
